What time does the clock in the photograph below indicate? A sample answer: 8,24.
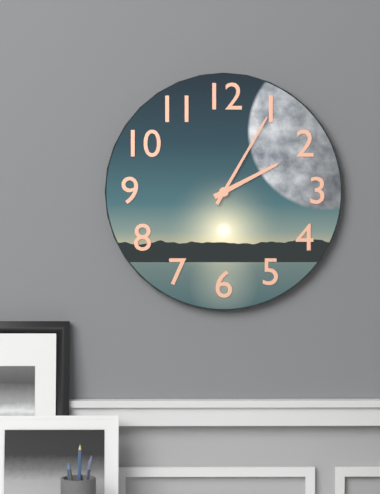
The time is 2,05
